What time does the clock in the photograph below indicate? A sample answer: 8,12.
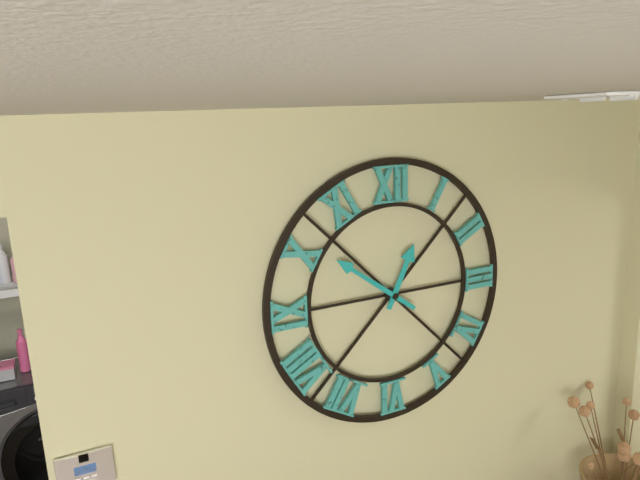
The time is 12,51
